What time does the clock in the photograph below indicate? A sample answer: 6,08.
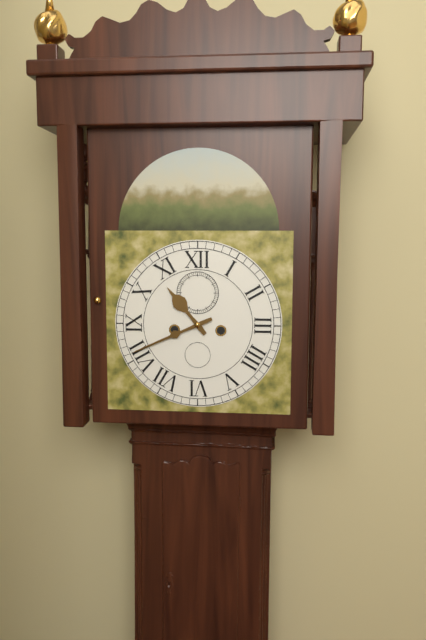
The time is 10,41
